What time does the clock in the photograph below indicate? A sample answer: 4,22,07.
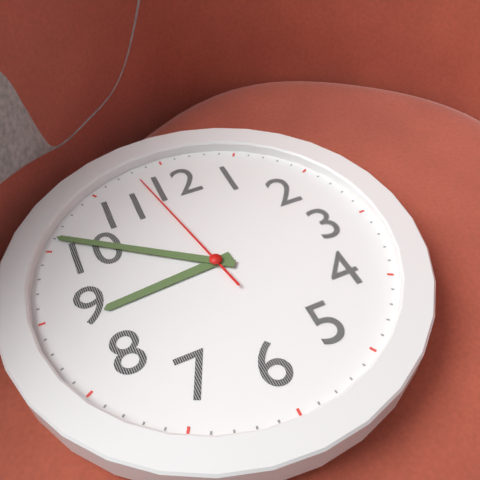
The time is 8,51,58
